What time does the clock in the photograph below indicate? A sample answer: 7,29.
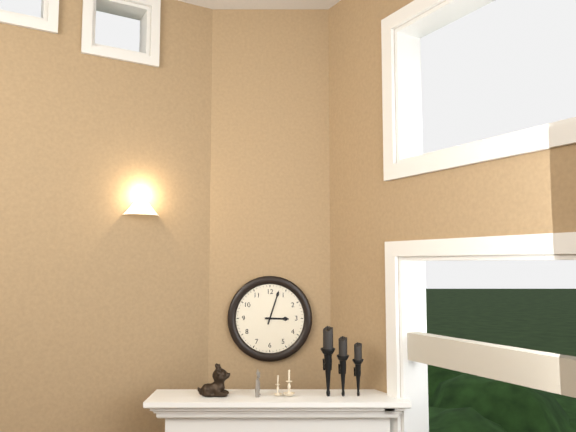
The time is 3,03
